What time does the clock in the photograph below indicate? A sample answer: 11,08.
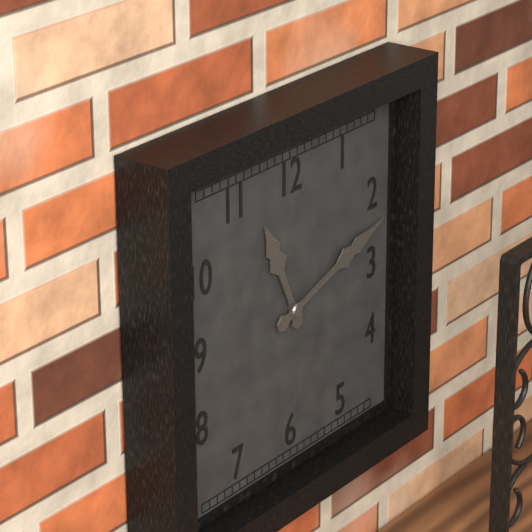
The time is 11,12
